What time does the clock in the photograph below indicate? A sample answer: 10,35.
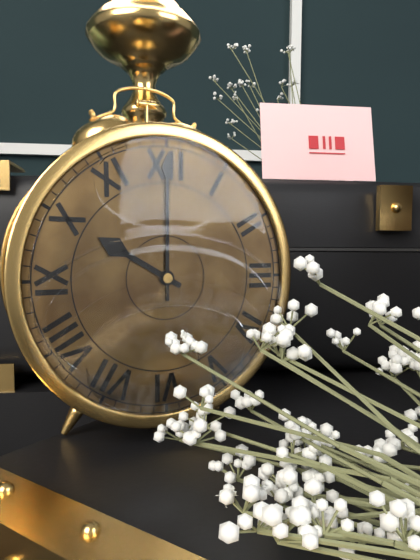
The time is 10,00
